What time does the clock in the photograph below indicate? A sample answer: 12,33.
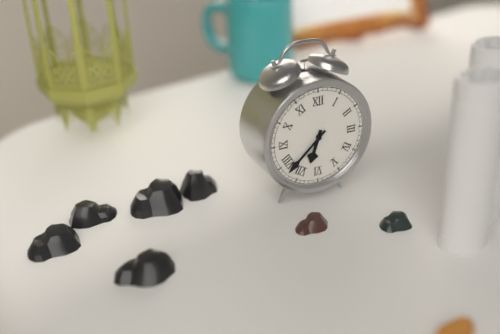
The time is 6,38
